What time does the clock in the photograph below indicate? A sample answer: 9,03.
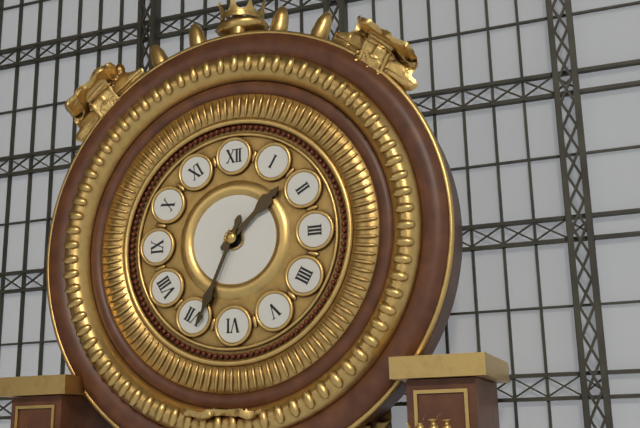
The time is 1,34
